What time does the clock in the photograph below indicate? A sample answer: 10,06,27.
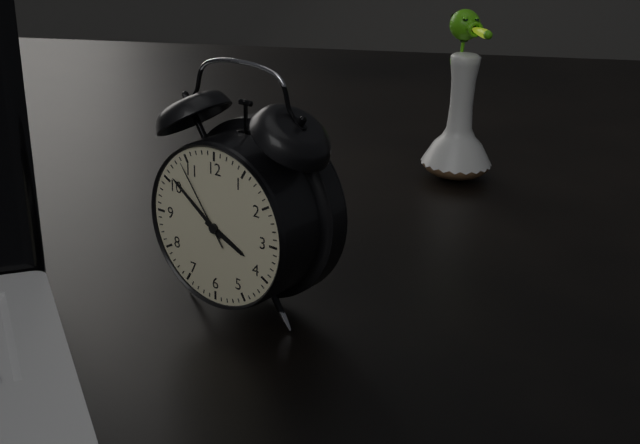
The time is 3,51,54
